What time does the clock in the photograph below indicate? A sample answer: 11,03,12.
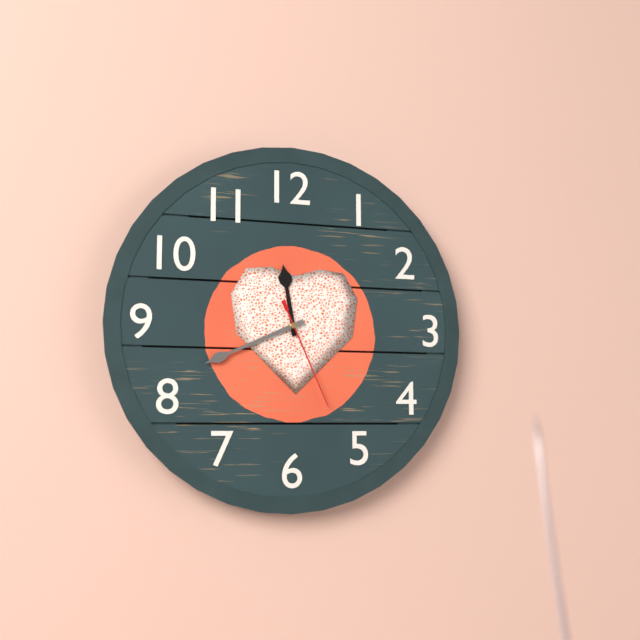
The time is 11,41,26
